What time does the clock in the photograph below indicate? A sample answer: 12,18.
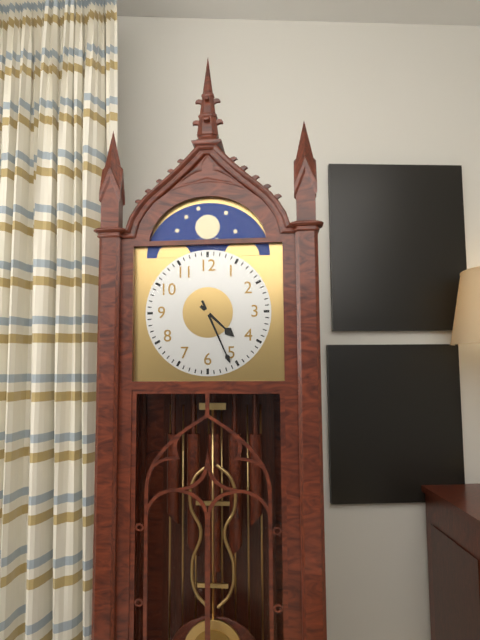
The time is 4,26
